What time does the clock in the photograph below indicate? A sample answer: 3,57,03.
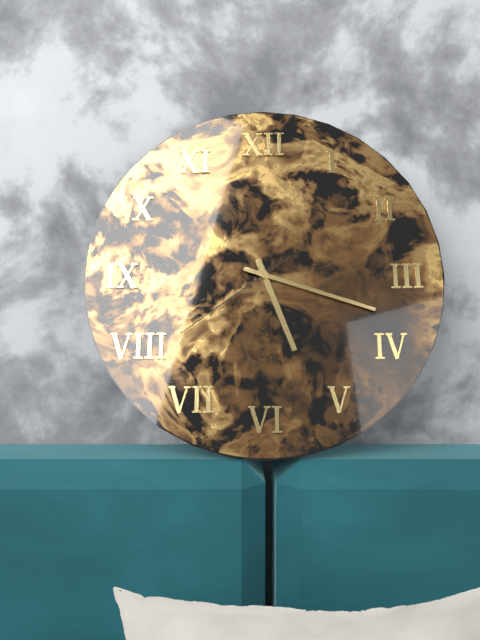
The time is 5,18,39
